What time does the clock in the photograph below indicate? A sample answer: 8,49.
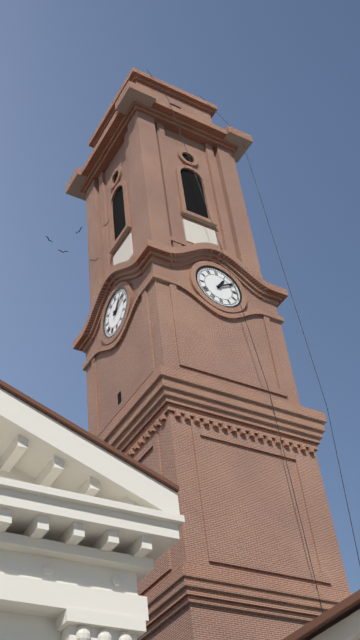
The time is 1,10
